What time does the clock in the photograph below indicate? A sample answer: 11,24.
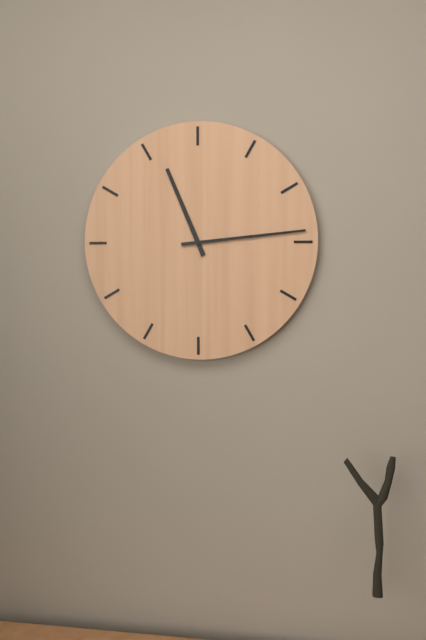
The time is 11,14
